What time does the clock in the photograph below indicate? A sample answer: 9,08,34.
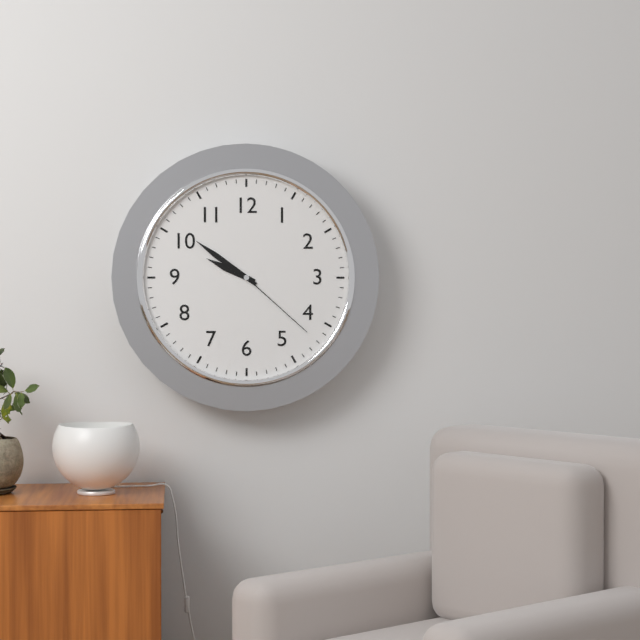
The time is 9,51,22
